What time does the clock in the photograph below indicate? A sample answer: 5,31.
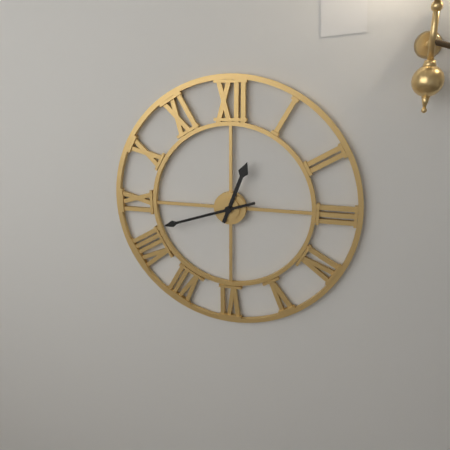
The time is 12,42
